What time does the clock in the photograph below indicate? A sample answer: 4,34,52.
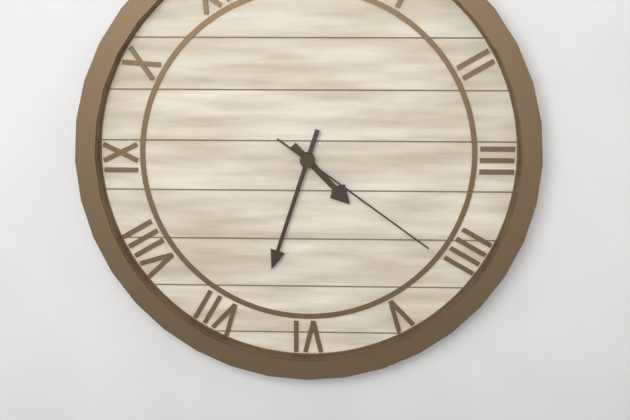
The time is 4,33,21
